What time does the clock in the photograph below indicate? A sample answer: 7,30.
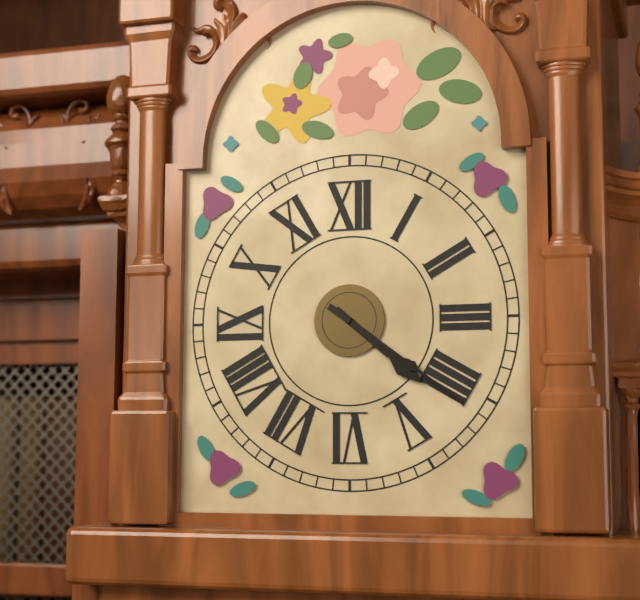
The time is 4,21
